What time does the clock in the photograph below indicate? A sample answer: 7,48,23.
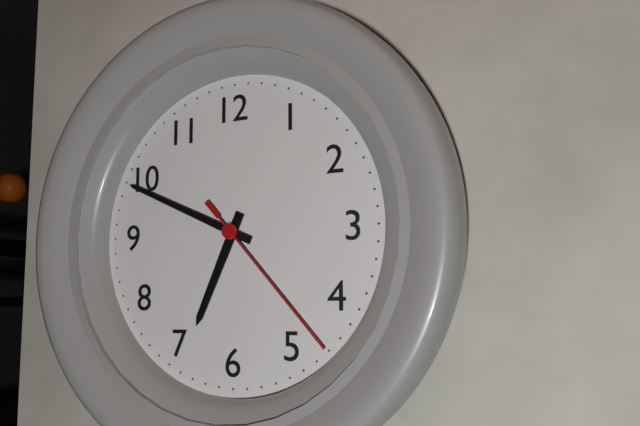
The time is 6,49,23
